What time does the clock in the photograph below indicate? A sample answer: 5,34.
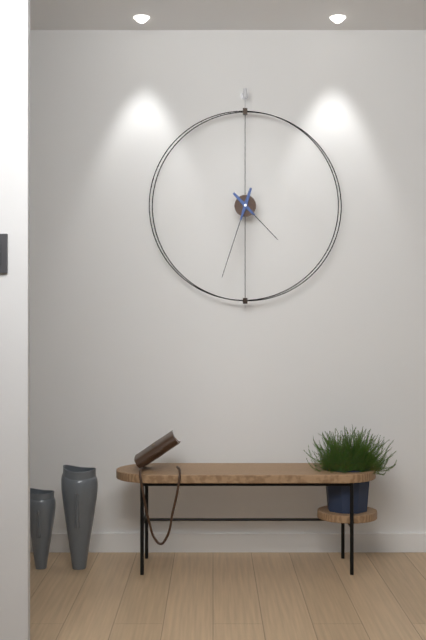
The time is 4,33
